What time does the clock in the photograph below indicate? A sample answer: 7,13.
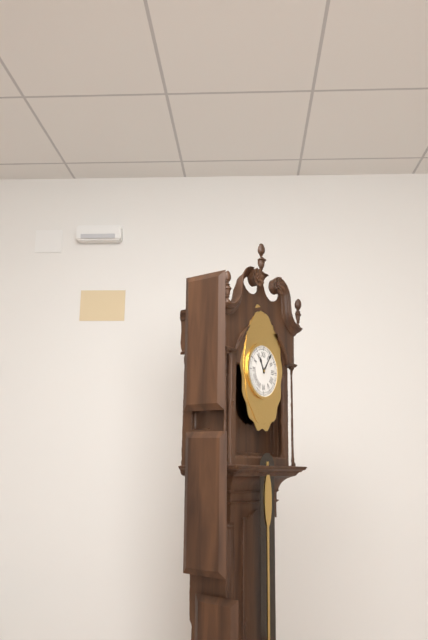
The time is 11,06
